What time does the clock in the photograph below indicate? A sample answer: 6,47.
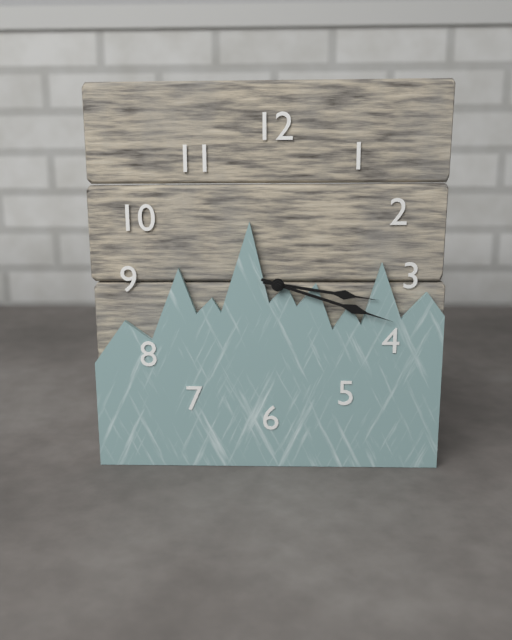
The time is 3,18
